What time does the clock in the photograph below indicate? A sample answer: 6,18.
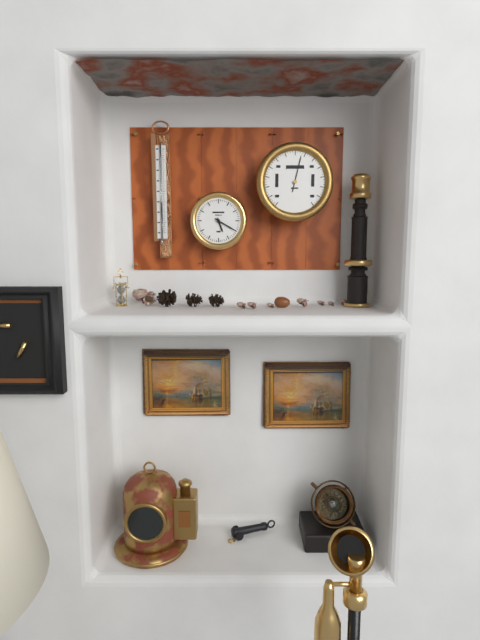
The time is 5,20
